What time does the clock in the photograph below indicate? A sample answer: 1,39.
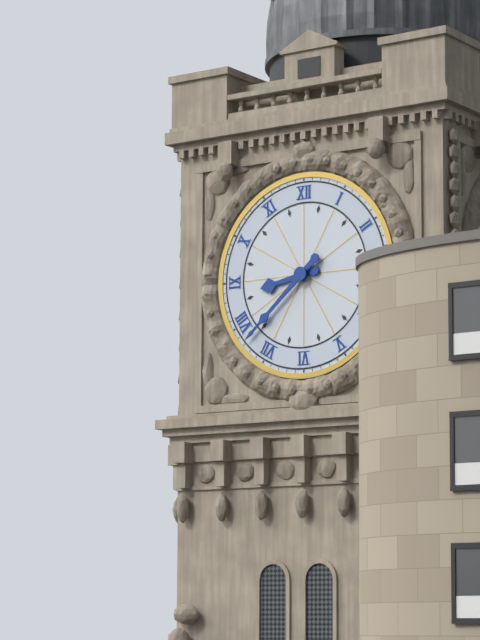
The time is 8,38
